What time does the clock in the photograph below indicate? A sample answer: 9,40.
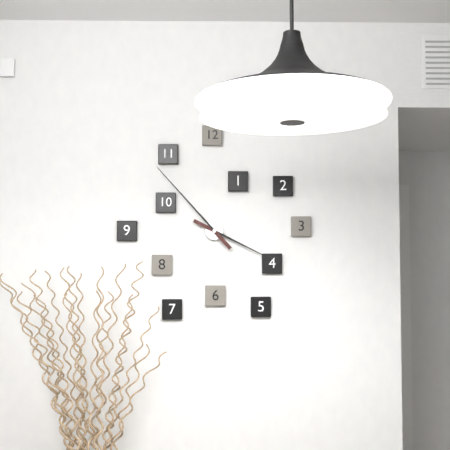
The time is 3,53
